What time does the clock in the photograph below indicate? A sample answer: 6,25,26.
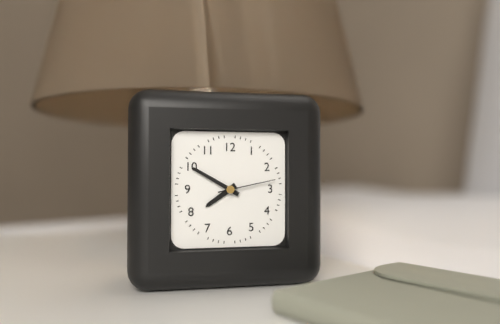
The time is 7,50,13
